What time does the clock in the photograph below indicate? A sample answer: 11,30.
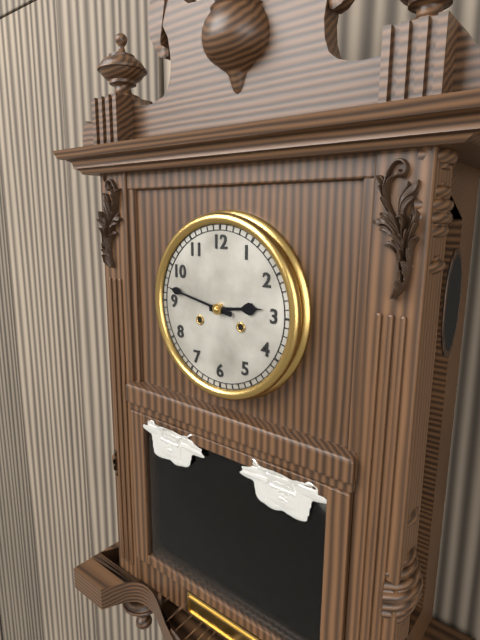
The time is 2,47
